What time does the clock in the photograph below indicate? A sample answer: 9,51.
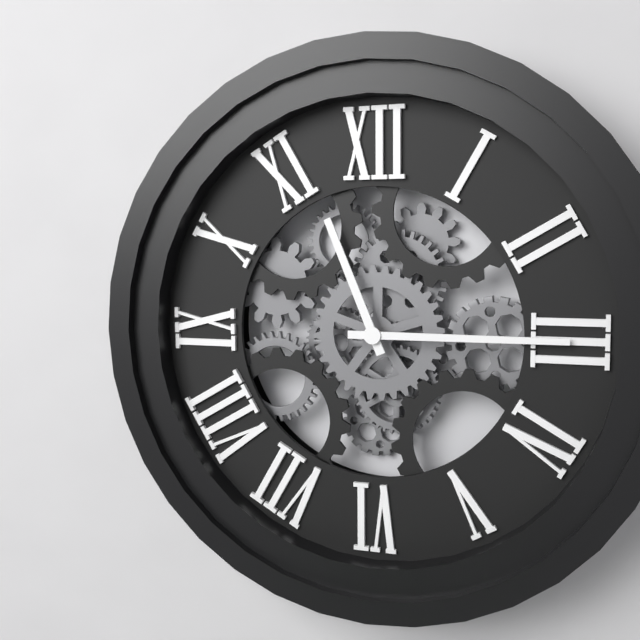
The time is 11,15
